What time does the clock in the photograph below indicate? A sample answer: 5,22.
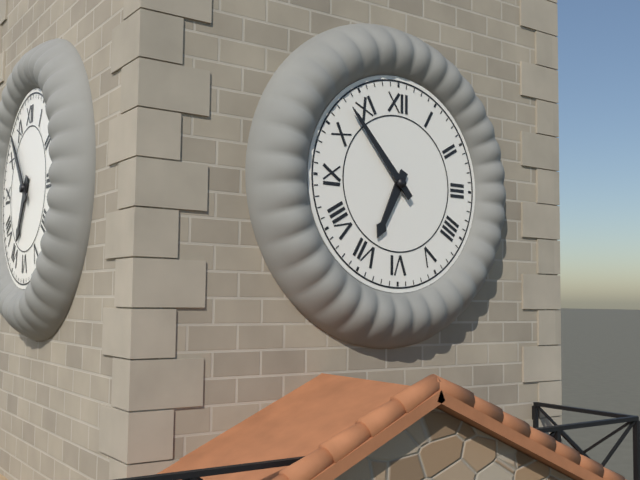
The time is 6,53
